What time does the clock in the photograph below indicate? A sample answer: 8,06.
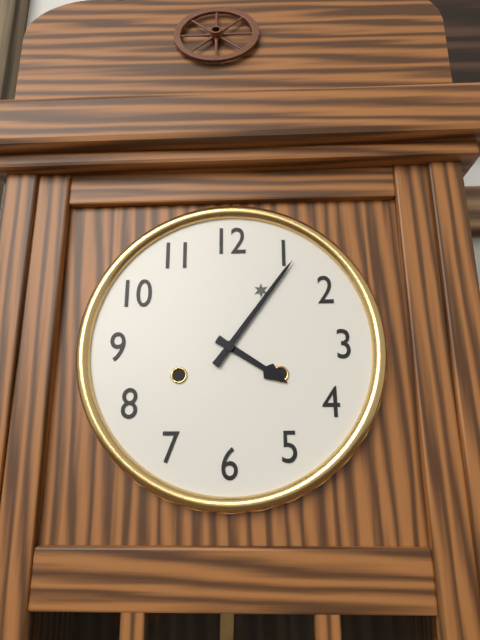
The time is 4,06
